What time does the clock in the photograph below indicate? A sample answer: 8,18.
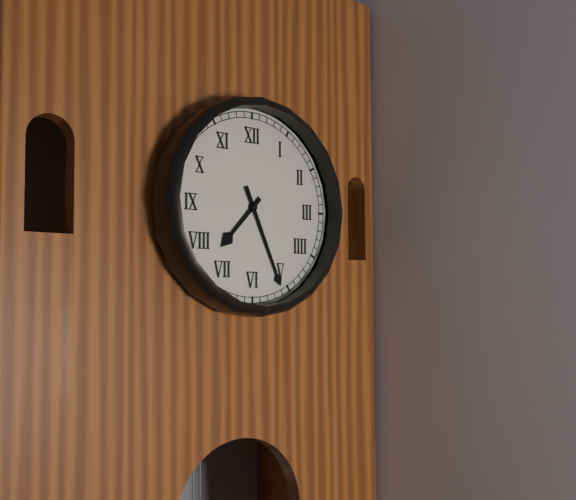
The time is 7,26
